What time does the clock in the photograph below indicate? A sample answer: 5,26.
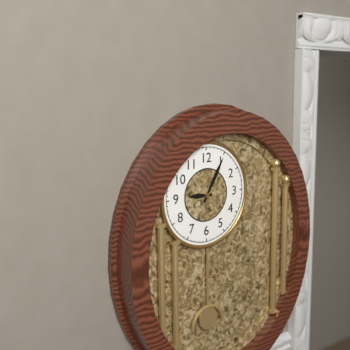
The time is 9,05
